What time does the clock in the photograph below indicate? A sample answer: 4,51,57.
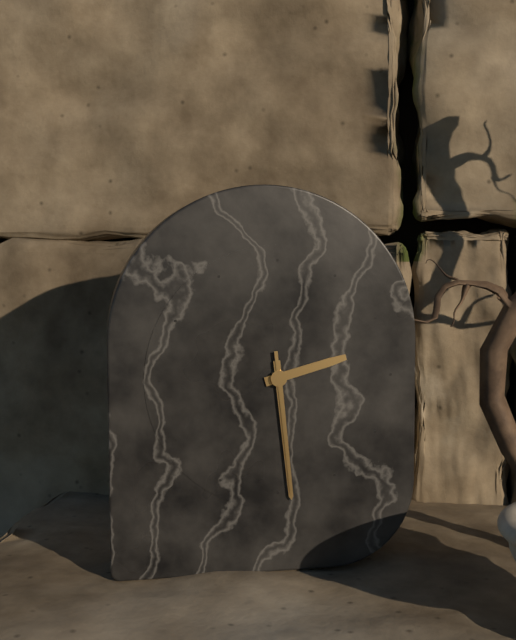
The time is 2,29,29
